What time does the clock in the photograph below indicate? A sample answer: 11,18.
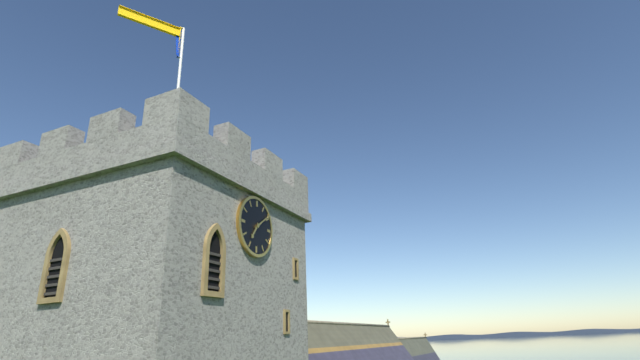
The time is 7,09
